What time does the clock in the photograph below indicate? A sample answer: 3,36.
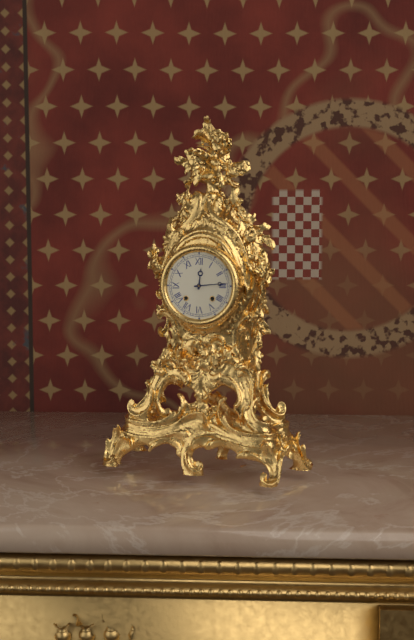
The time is 12,14
